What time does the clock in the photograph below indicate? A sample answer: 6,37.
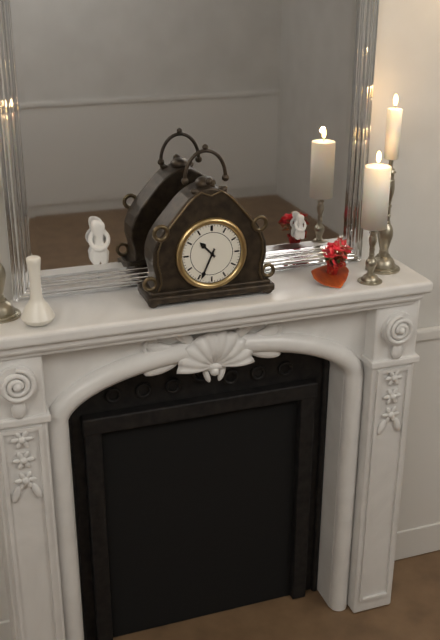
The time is 10,34
